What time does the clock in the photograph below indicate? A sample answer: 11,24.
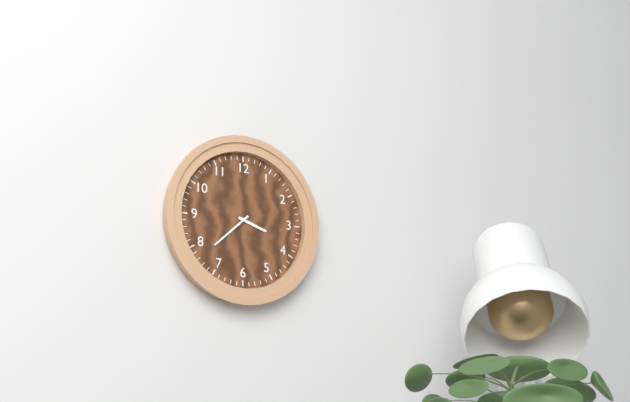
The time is 3,38
